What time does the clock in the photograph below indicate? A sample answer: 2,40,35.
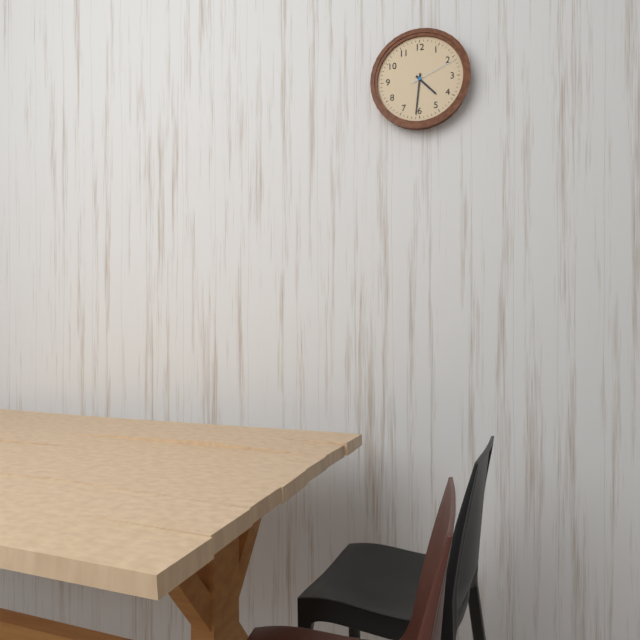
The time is 4,31,11
